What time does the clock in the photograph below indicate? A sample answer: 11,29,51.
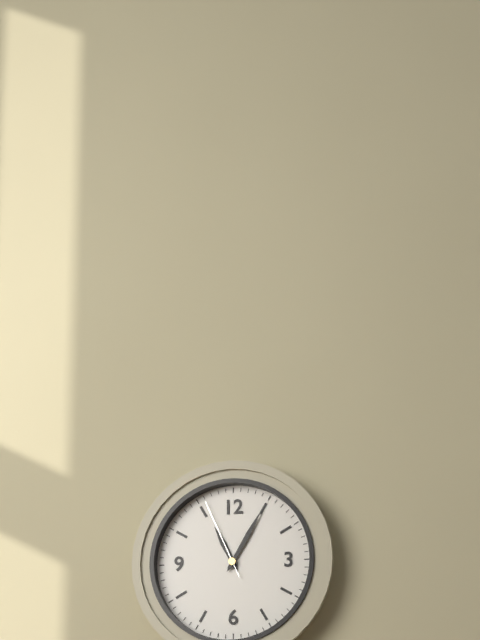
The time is 11,05,56
